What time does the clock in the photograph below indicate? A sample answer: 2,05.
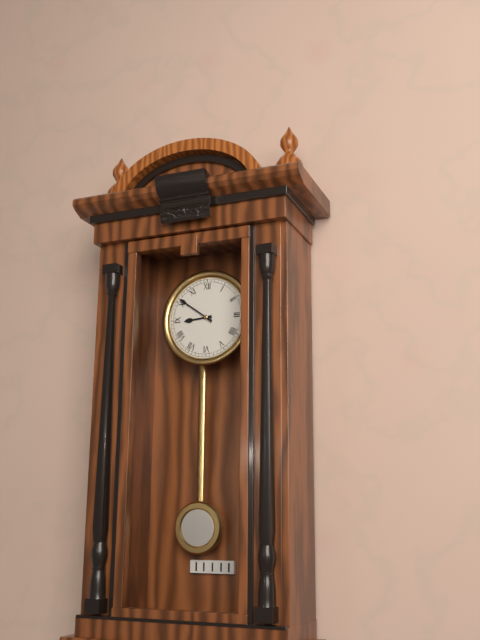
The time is 8,51
